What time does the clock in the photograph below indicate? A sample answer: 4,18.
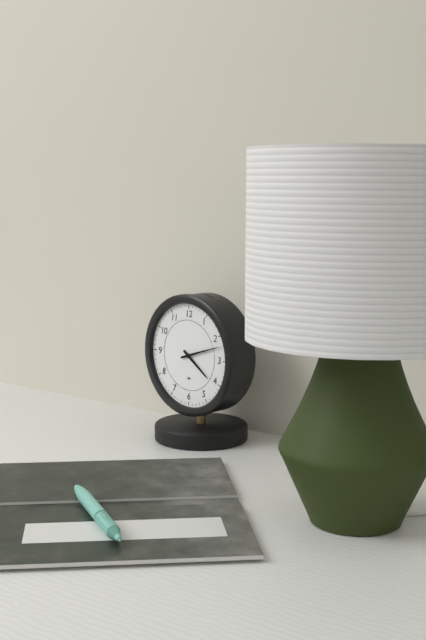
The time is 4,12
